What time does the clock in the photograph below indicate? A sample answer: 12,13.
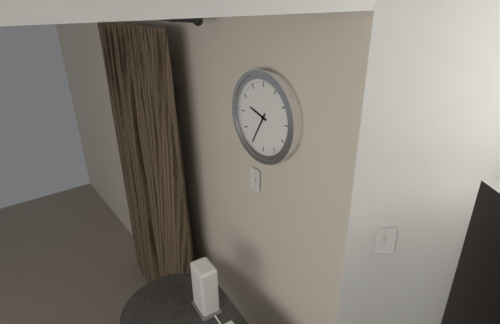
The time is 9,35
